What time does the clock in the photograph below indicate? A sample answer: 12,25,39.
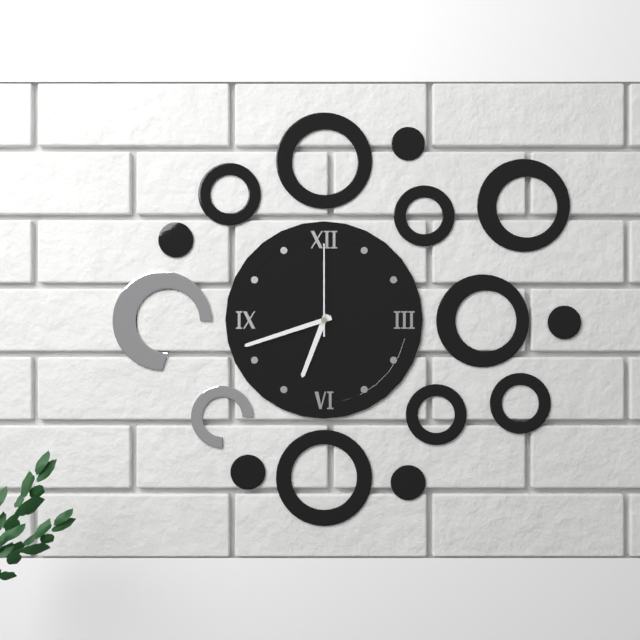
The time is 6,42,00
